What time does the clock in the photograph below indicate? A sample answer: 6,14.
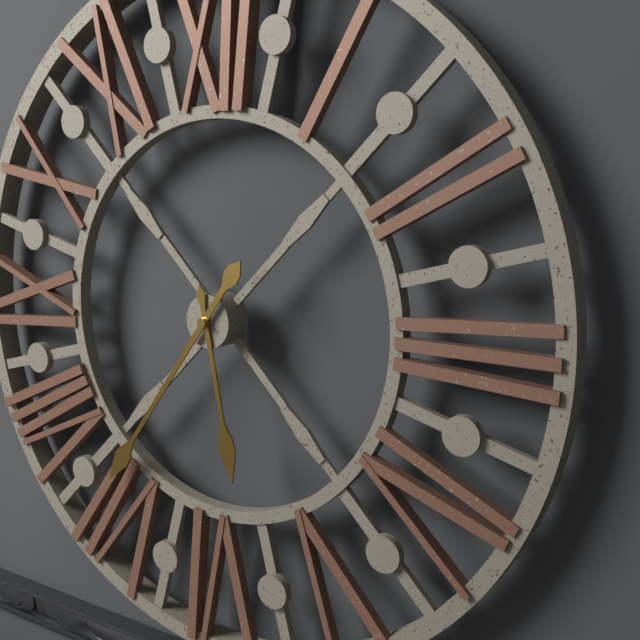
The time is 5,36
